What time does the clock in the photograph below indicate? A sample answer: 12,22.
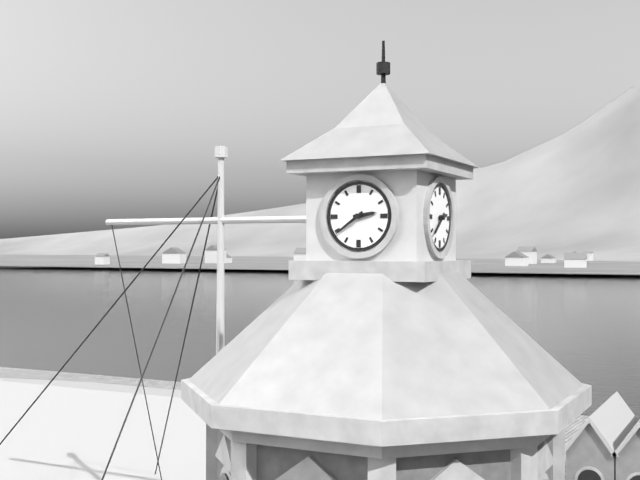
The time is 2,39
